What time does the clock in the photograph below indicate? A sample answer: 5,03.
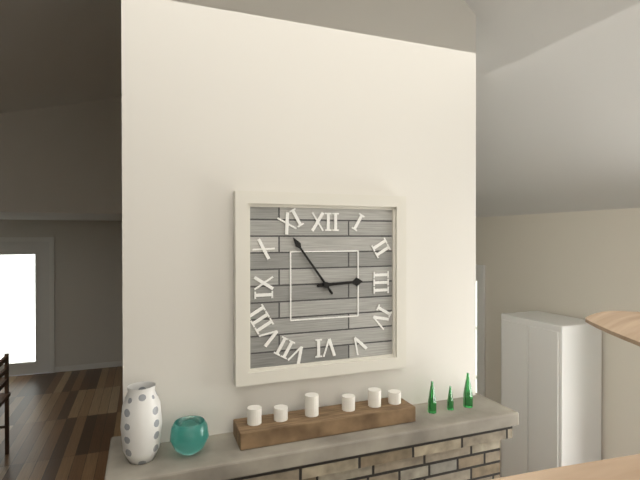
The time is 2,54
